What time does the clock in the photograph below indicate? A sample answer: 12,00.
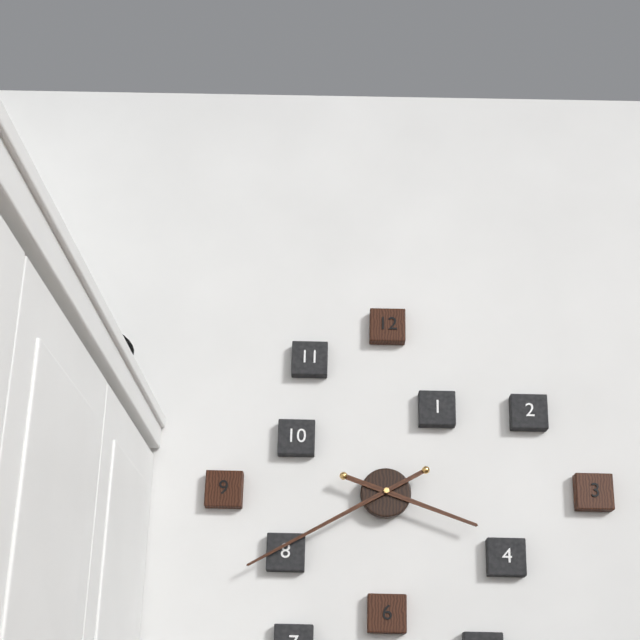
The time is 3,40
